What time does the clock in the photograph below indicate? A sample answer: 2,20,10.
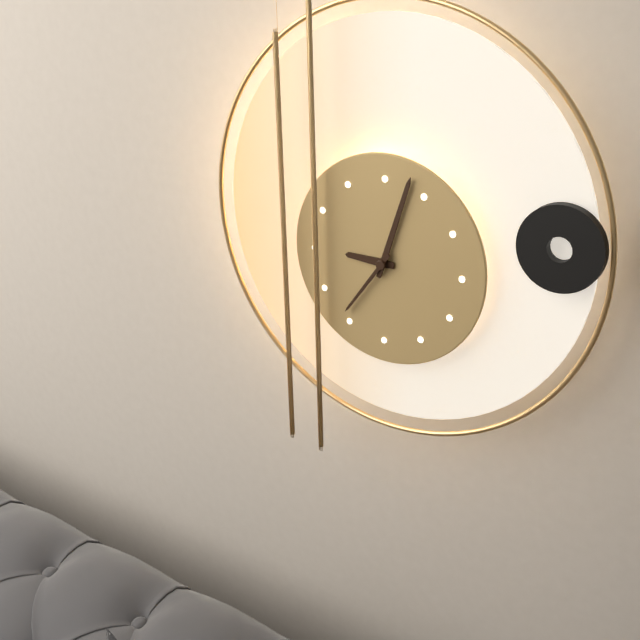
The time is 9,03,36
